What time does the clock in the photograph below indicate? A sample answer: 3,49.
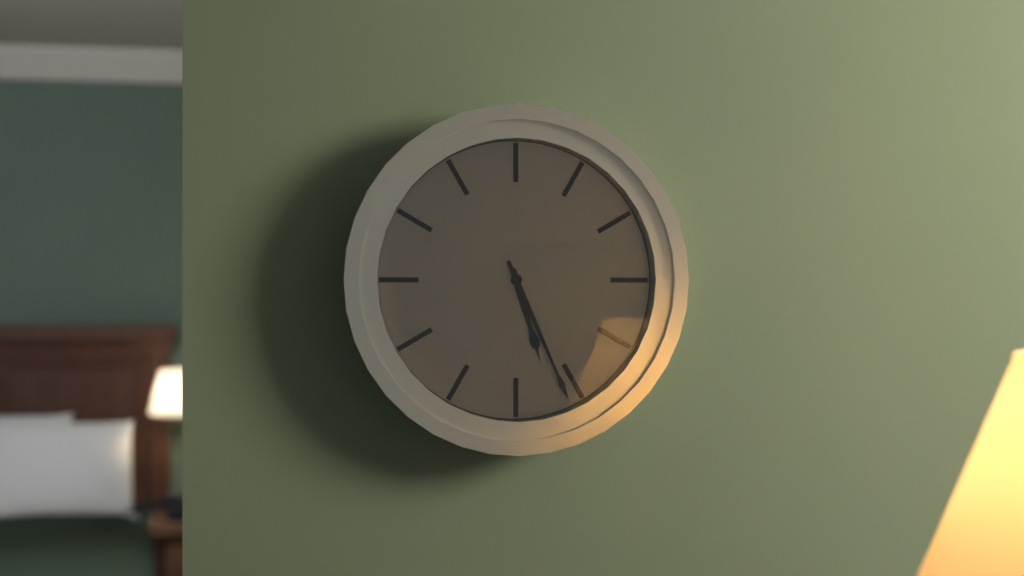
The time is 5,26
